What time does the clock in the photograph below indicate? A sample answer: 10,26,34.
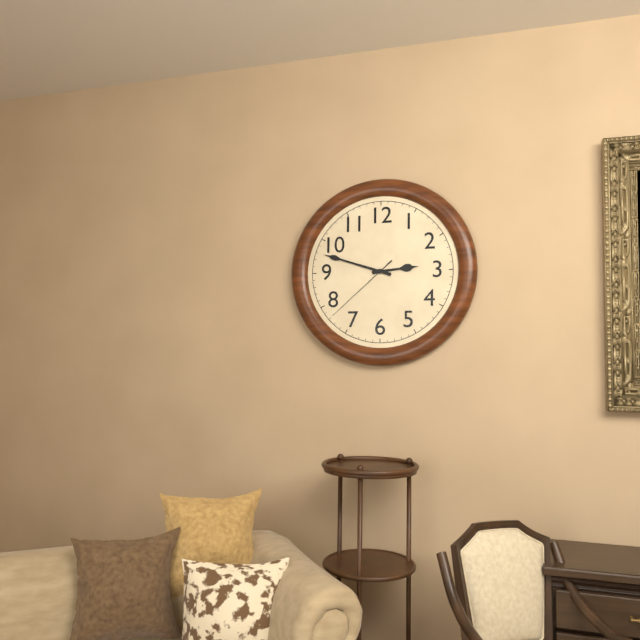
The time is 2,48,38
